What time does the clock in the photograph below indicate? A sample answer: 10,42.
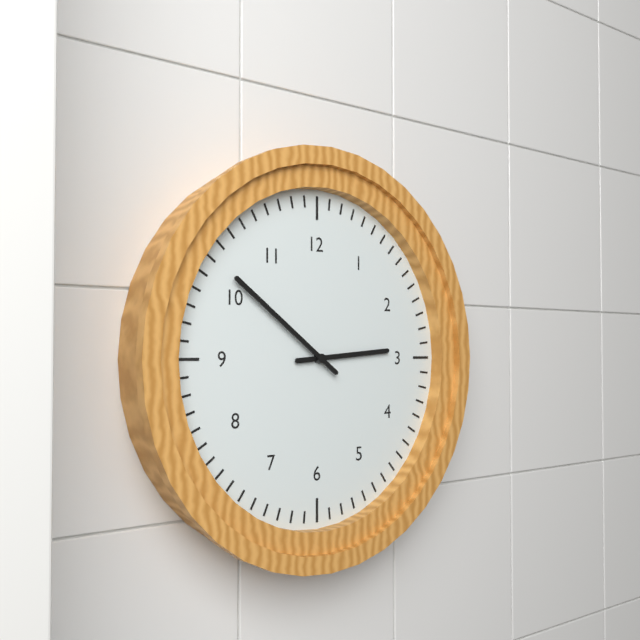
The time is 2,51
